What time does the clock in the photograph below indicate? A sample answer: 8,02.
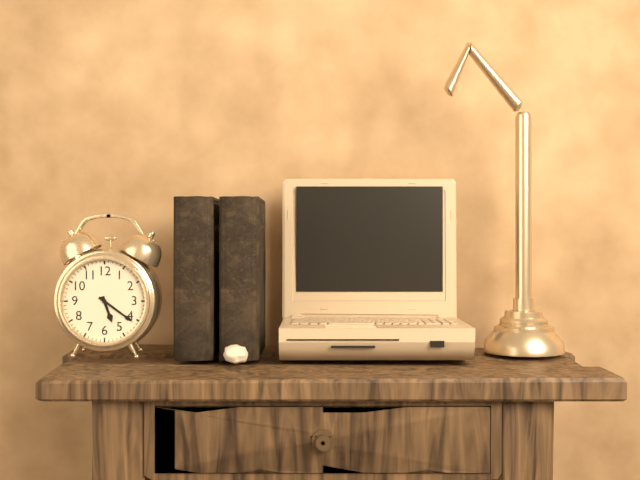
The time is 5,21
